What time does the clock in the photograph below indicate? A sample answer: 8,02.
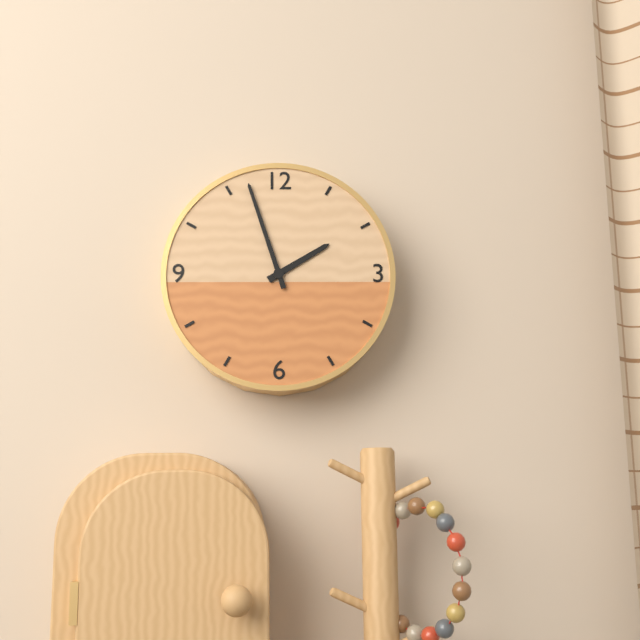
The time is 1,57
